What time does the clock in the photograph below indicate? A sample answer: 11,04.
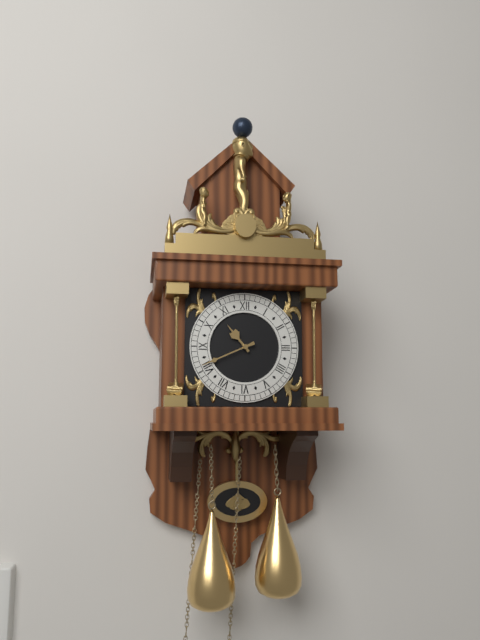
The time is 10,41
